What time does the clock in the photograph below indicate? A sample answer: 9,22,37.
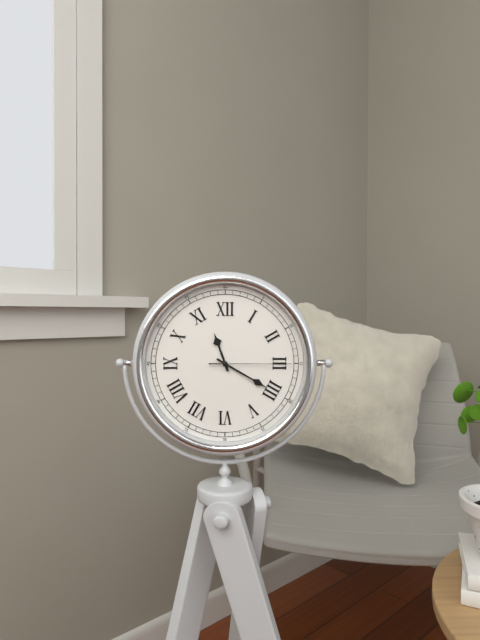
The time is 11,20,15
